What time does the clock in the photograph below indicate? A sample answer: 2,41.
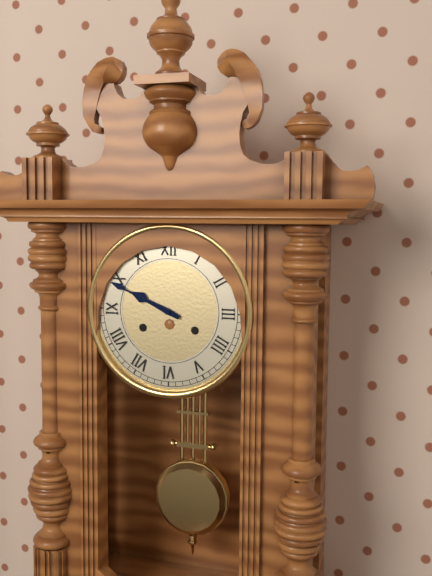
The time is 9,49
